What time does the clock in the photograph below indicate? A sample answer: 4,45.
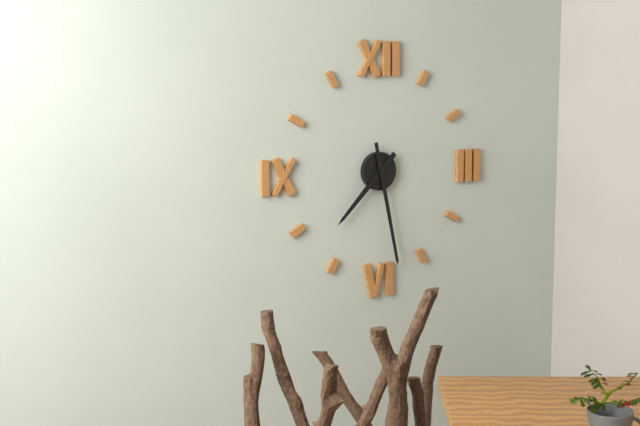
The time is 7,28
